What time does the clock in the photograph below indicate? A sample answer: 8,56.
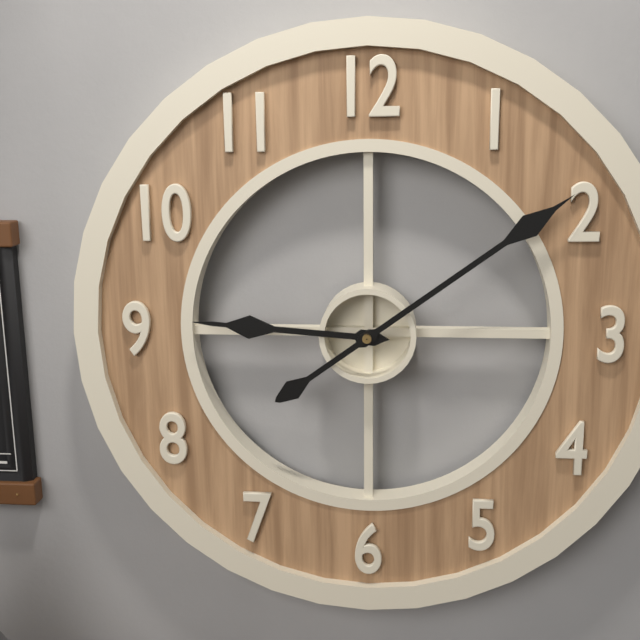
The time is 9,09
